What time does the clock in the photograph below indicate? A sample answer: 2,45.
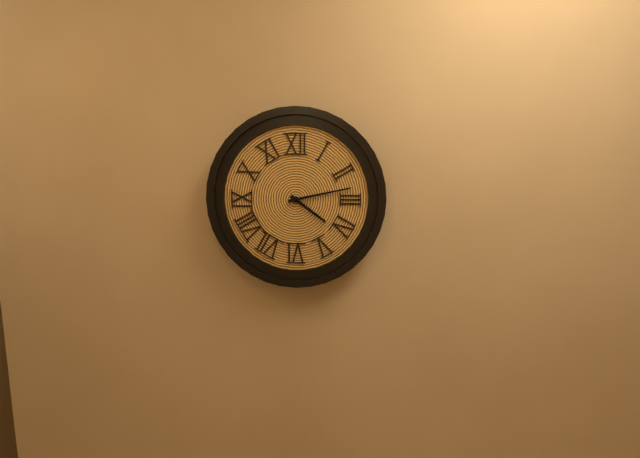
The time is 4,13
